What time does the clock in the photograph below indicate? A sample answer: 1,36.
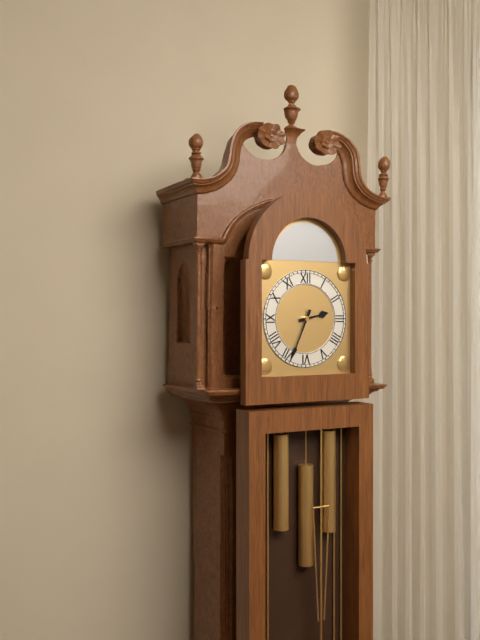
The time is 2,34
